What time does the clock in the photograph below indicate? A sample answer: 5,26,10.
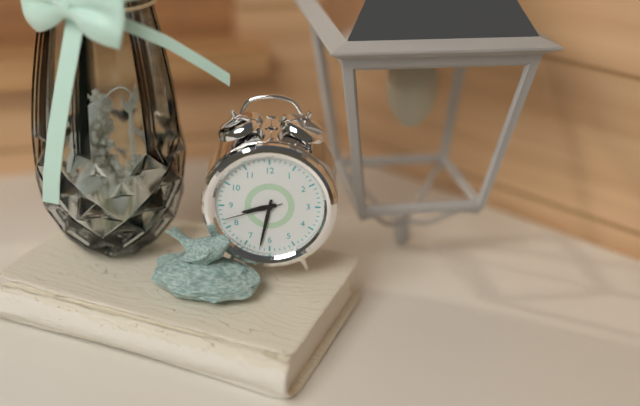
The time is 8,32,42
